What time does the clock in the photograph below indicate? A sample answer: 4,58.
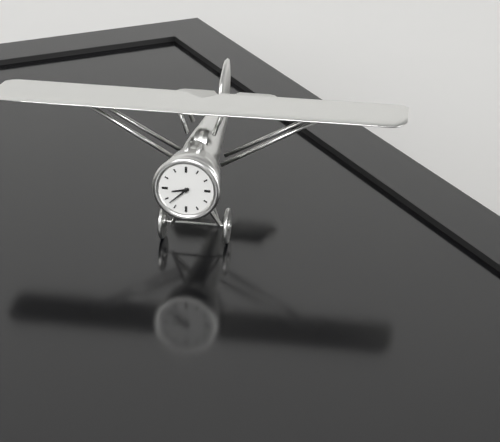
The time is 8,38
